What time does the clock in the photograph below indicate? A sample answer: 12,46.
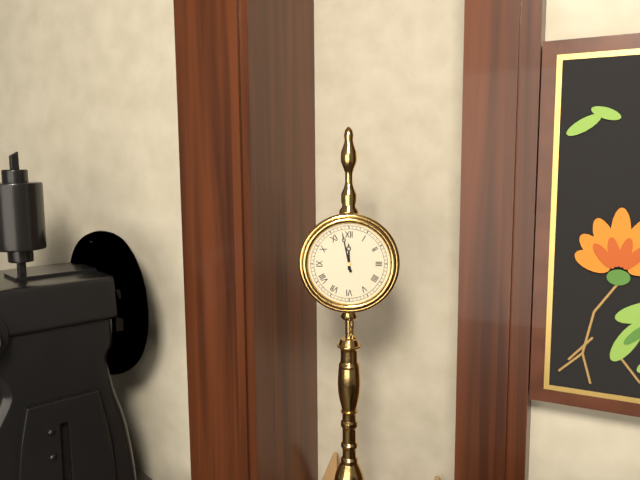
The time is 11,58
